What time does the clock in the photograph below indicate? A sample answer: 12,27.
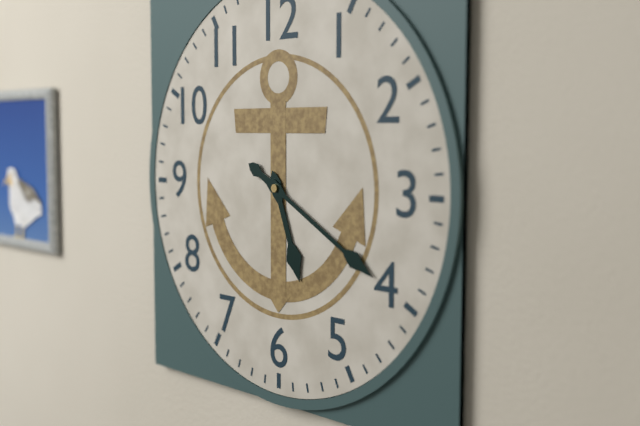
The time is 5,20
